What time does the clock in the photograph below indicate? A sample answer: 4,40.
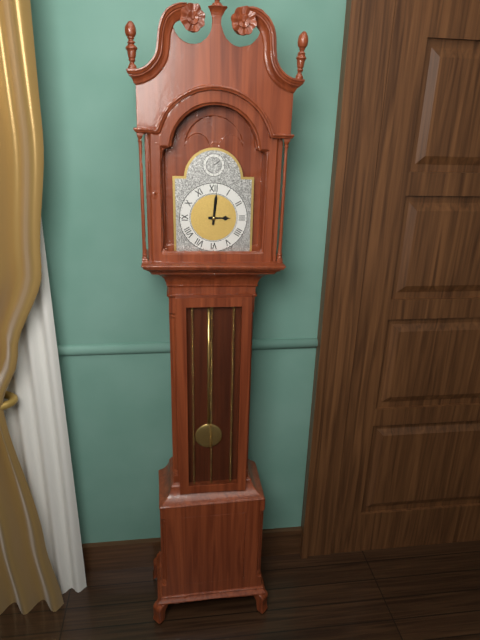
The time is 3,01
